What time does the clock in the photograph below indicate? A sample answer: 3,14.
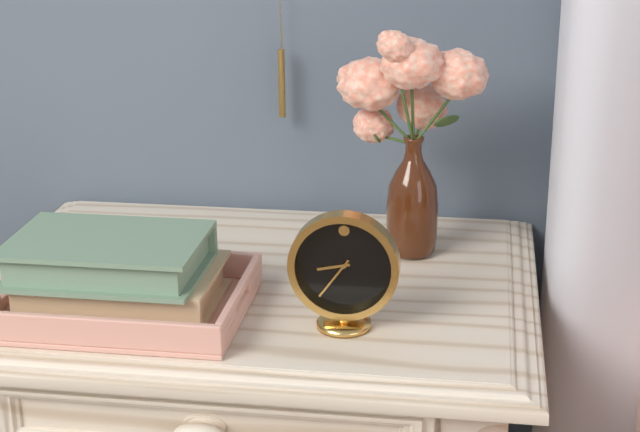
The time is 8,36
